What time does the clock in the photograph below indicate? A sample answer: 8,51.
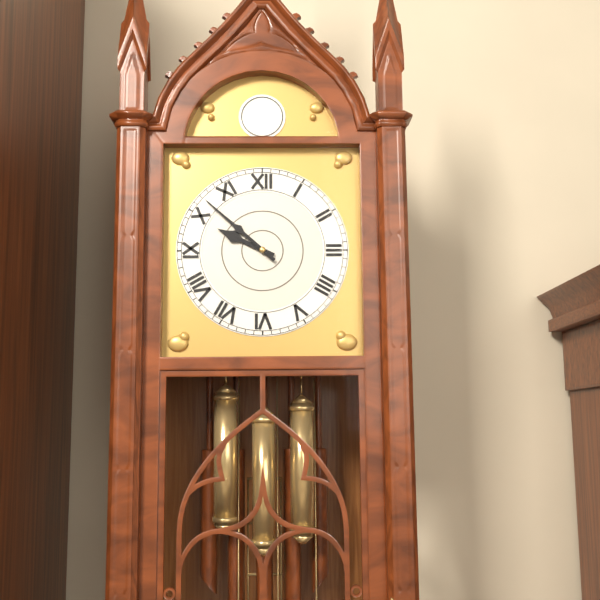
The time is 9,52
